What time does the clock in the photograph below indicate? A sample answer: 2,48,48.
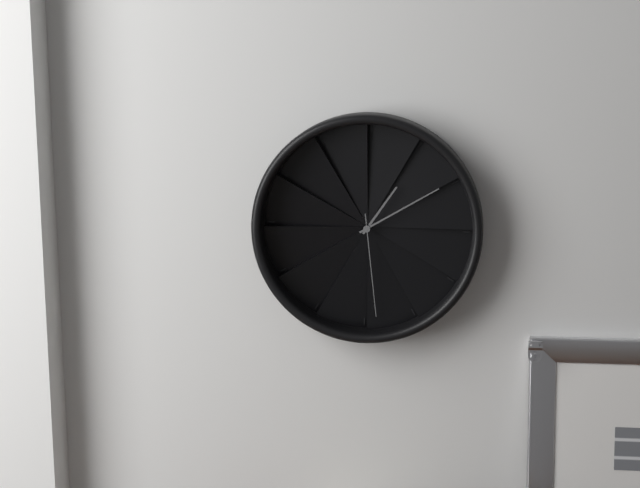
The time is 1,10,29
